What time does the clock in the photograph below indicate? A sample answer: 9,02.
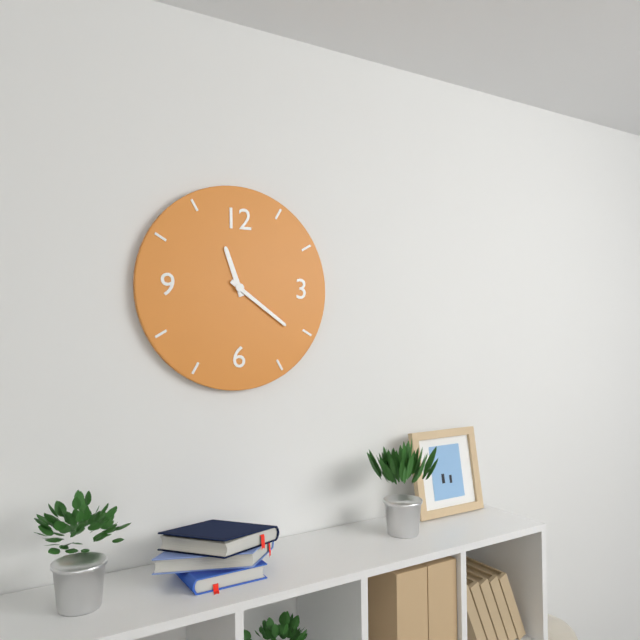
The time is 11,21
